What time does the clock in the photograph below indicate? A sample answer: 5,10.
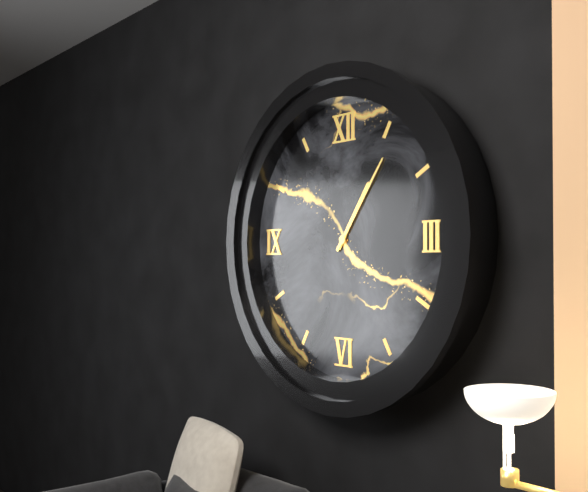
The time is 1,06
